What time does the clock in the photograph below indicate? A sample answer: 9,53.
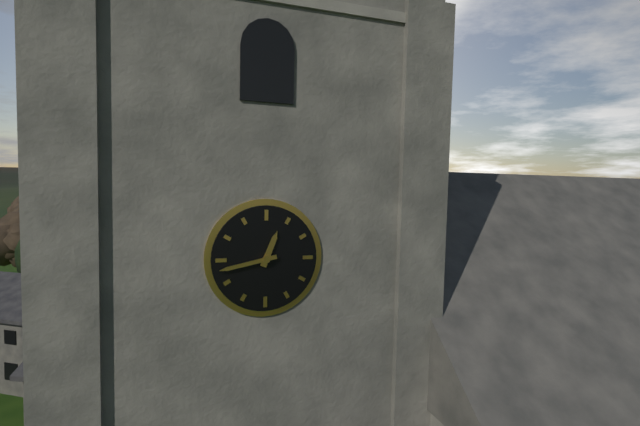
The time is 12,43
